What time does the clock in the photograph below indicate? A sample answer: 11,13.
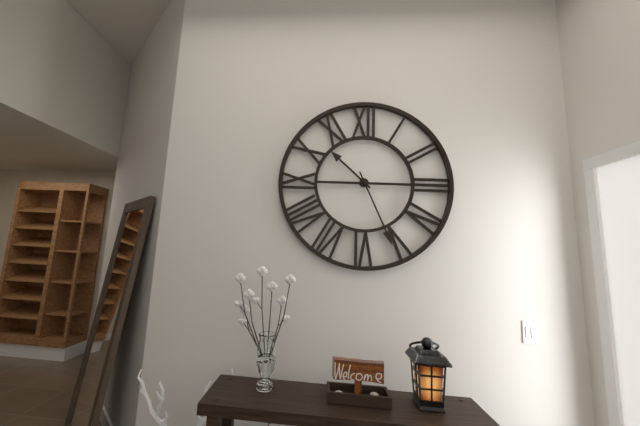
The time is 10,26
